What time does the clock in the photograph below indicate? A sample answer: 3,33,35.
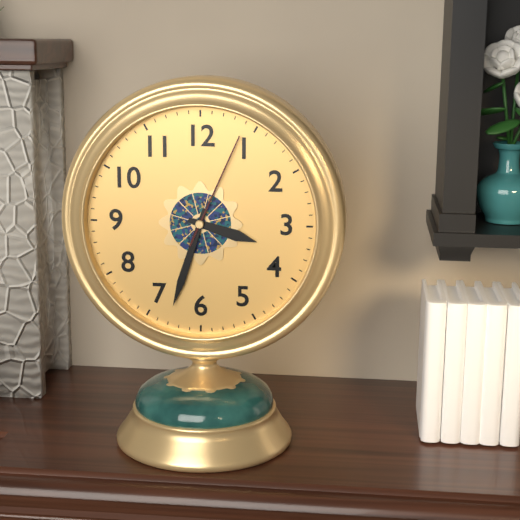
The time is 3,33,04
